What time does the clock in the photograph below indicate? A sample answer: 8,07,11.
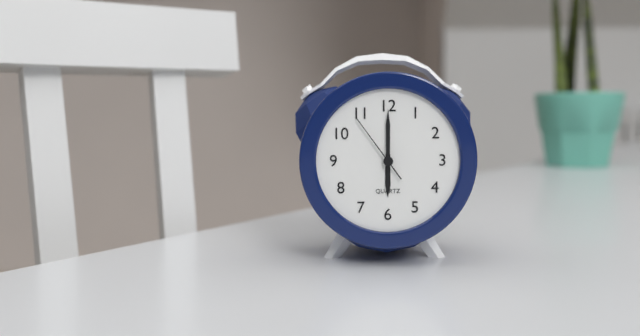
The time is 6,00,54
